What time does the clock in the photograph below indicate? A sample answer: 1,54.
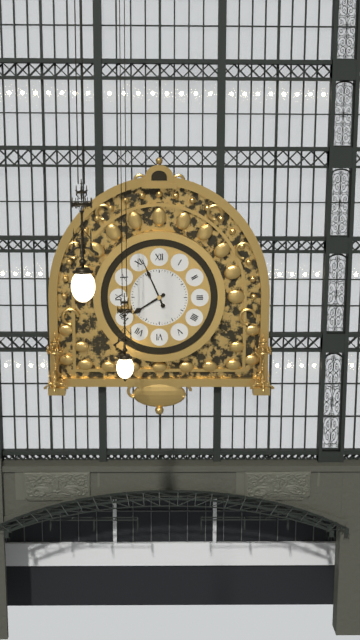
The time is 7,56
